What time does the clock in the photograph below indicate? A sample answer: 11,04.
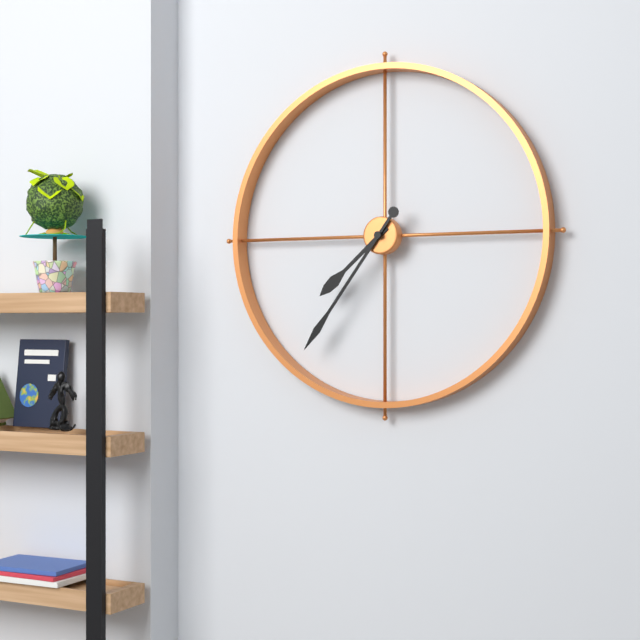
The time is 7,36
